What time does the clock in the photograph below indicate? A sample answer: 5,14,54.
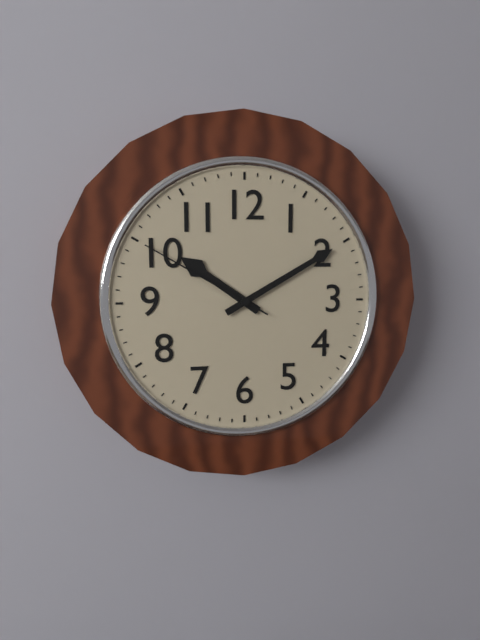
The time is 10,10,50
